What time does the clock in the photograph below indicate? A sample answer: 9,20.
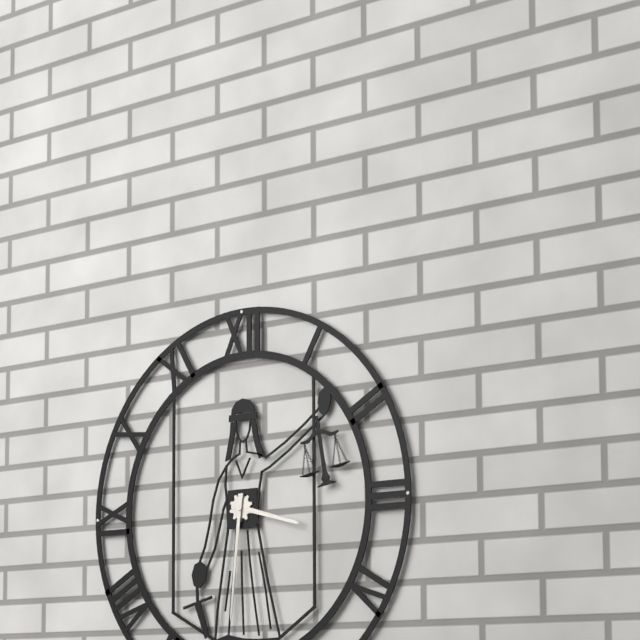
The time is 3,31
